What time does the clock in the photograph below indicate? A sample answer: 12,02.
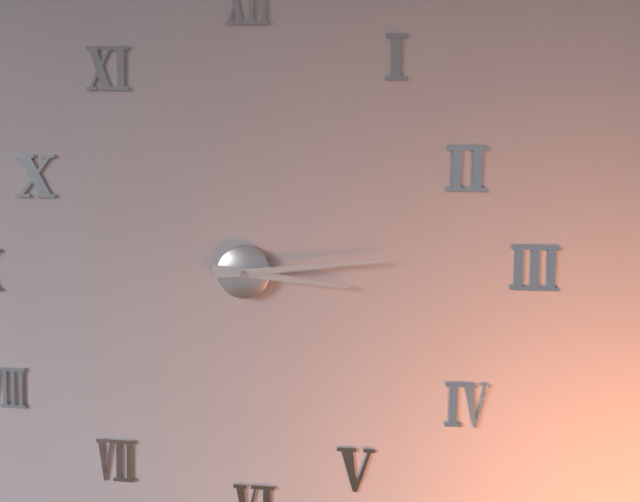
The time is 3,14
